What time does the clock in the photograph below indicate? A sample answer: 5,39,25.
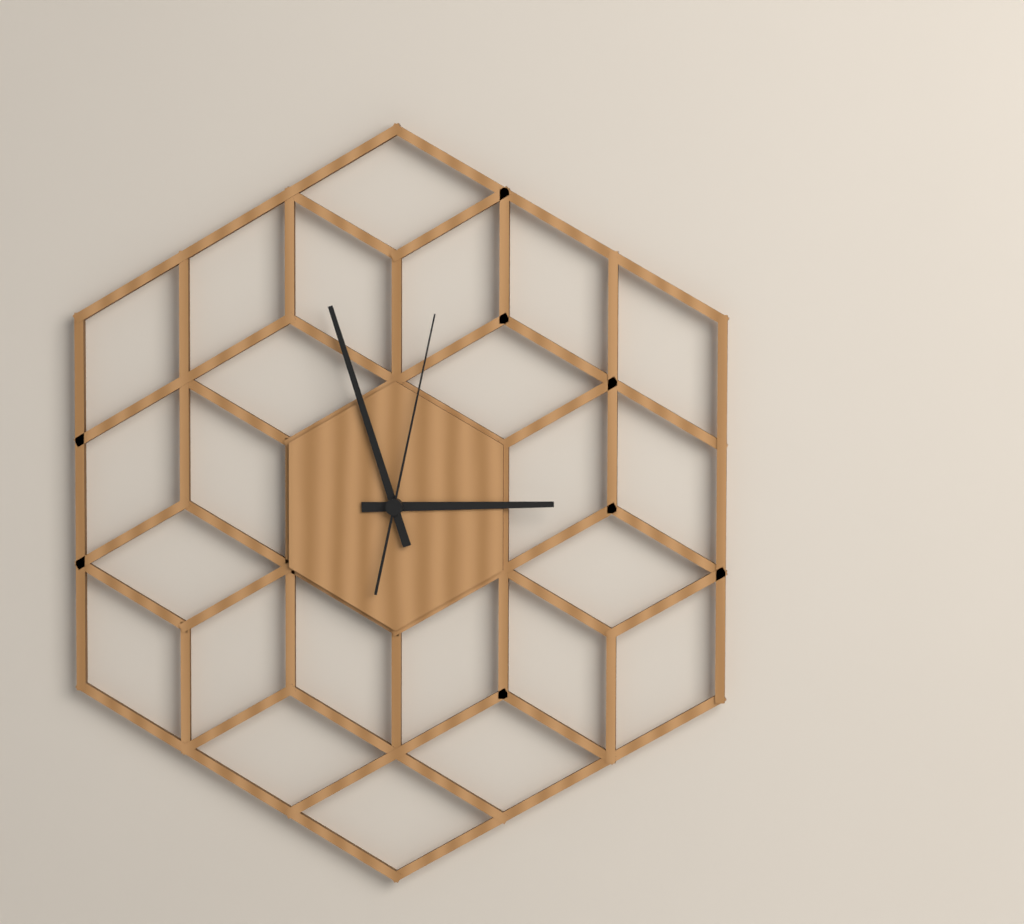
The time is 2,57,02
